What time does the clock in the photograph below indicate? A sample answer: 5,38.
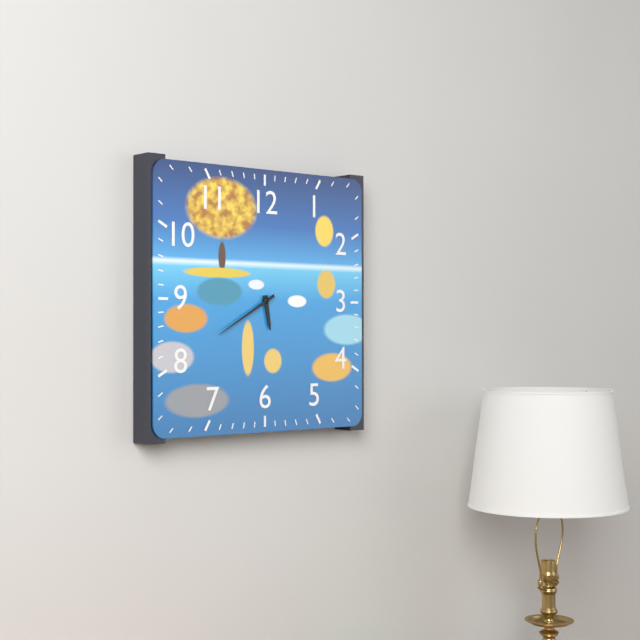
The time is 5,40
